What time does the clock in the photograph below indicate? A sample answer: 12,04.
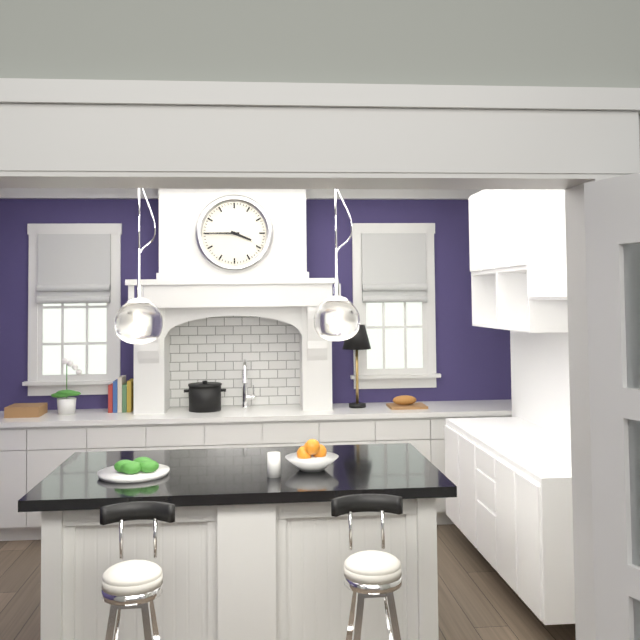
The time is 3,45
